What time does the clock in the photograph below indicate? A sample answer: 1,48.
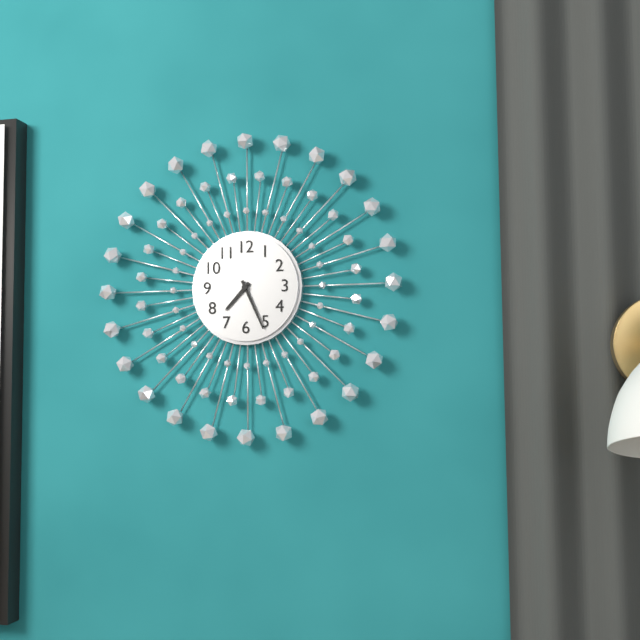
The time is 7,26
